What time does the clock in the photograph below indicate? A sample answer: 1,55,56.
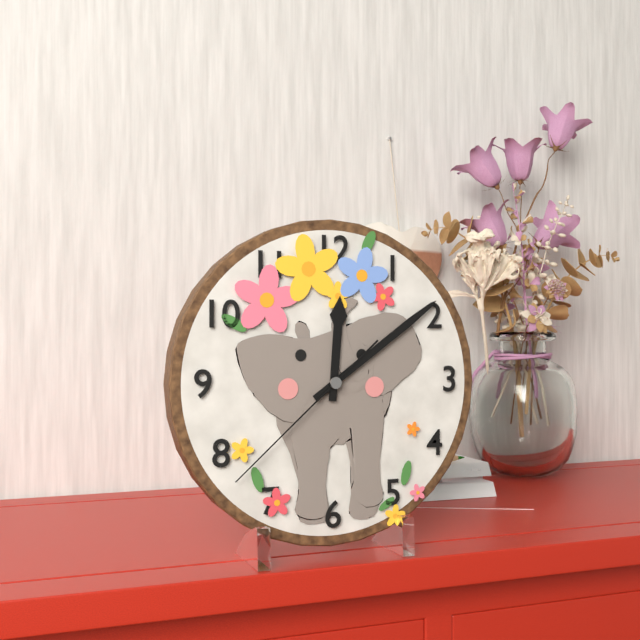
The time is 12,09,38
